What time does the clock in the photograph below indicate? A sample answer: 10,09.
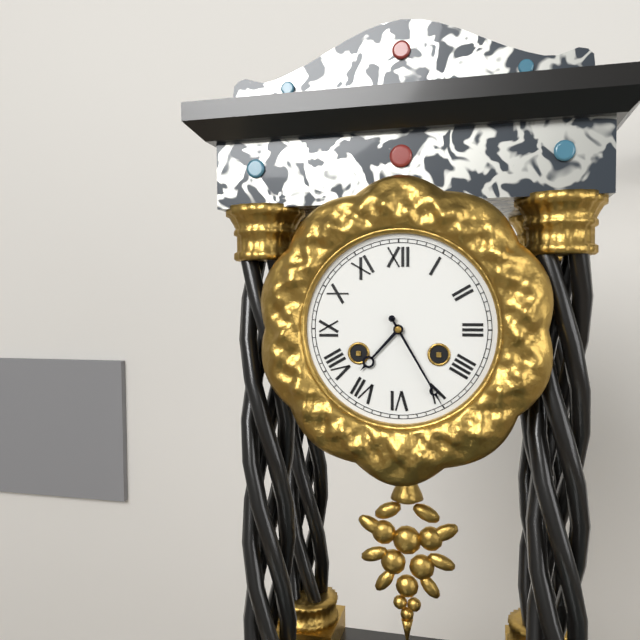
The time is 7,25
